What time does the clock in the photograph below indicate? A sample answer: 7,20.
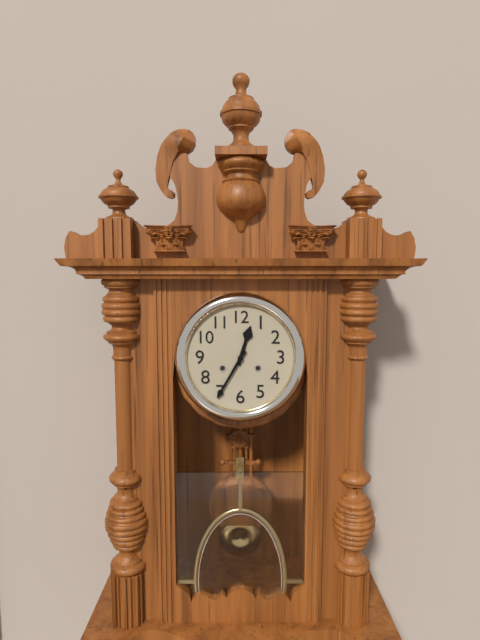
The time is 12,35
